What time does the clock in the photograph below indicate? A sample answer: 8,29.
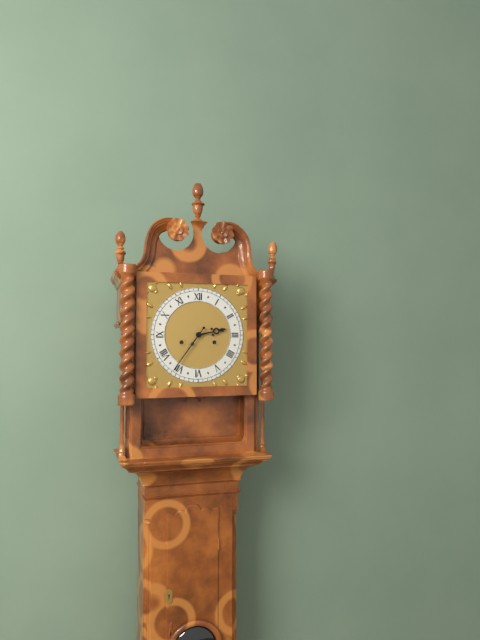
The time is 2,36
